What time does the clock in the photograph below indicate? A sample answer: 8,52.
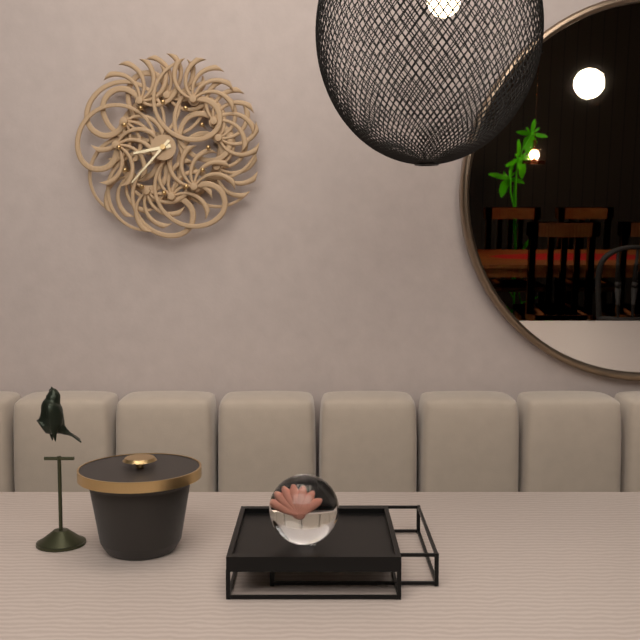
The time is 8,37
